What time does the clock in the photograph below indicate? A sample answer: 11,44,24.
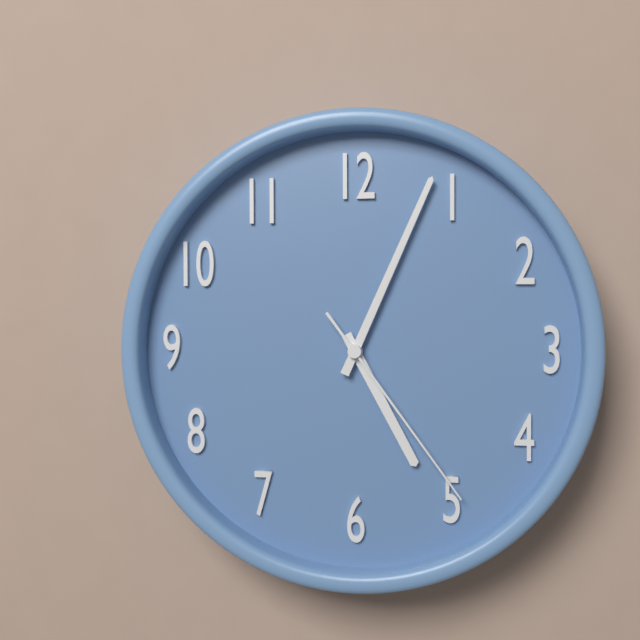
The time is 5,04,24
